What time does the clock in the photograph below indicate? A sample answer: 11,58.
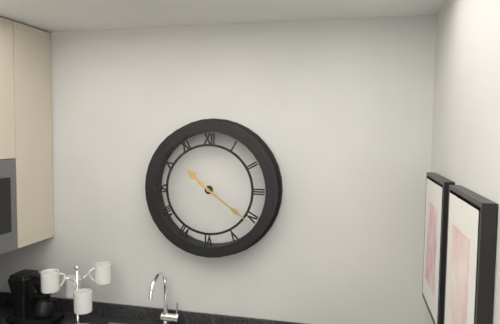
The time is 10,21
